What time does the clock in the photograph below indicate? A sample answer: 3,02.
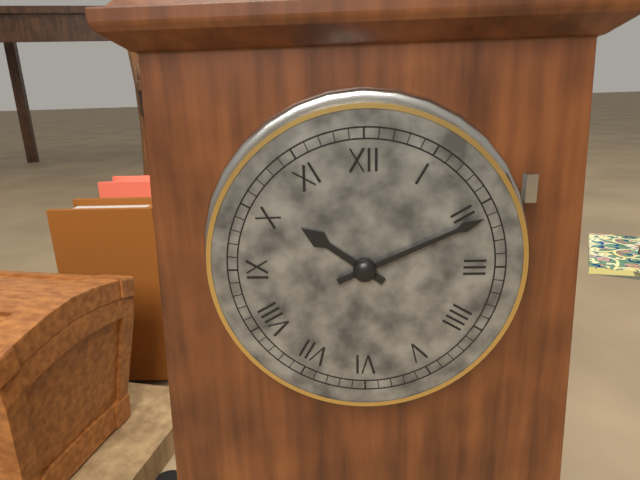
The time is 10,11
